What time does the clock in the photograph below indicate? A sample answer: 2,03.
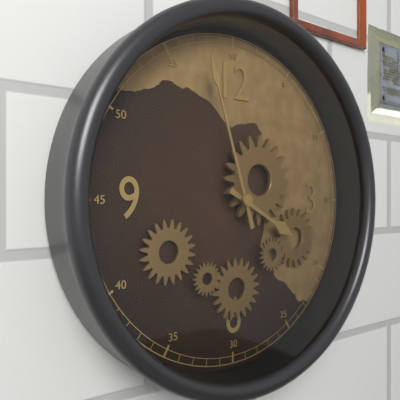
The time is 3,57
